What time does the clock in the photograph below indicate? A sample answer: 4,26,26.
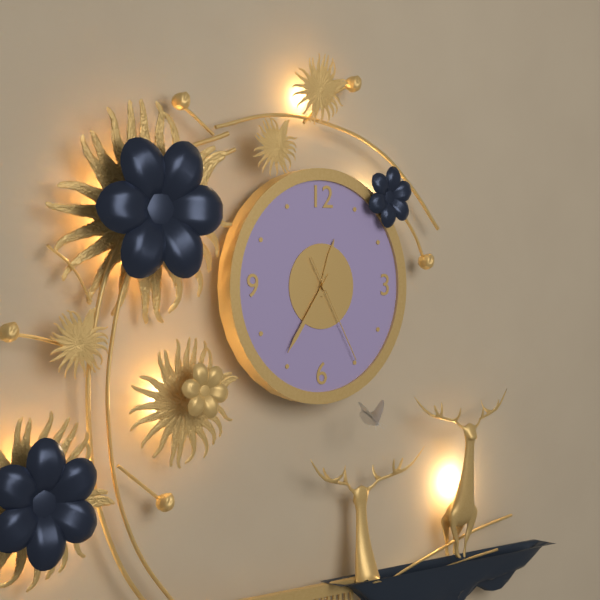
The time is 12,36,25
